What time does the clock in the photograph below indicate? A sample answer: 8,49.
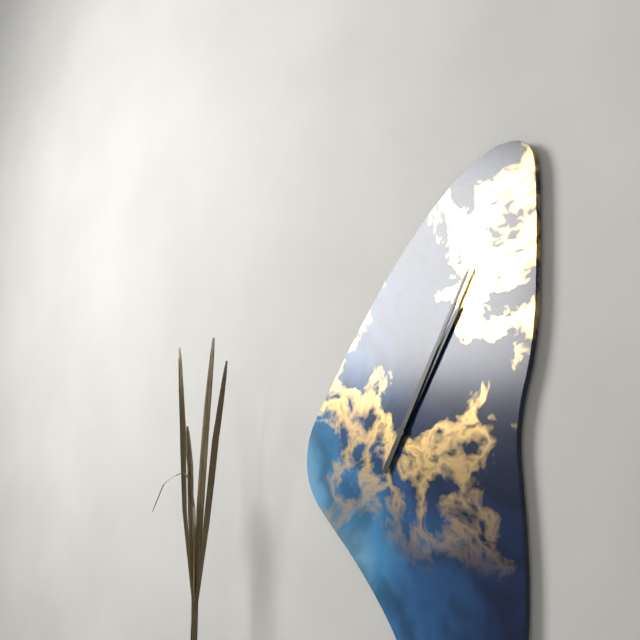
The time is 1,05
